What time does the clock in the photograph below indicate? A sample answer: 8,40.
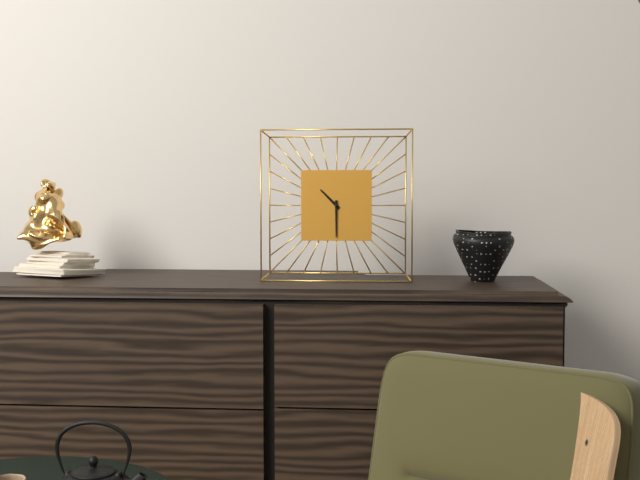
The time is 10,30
